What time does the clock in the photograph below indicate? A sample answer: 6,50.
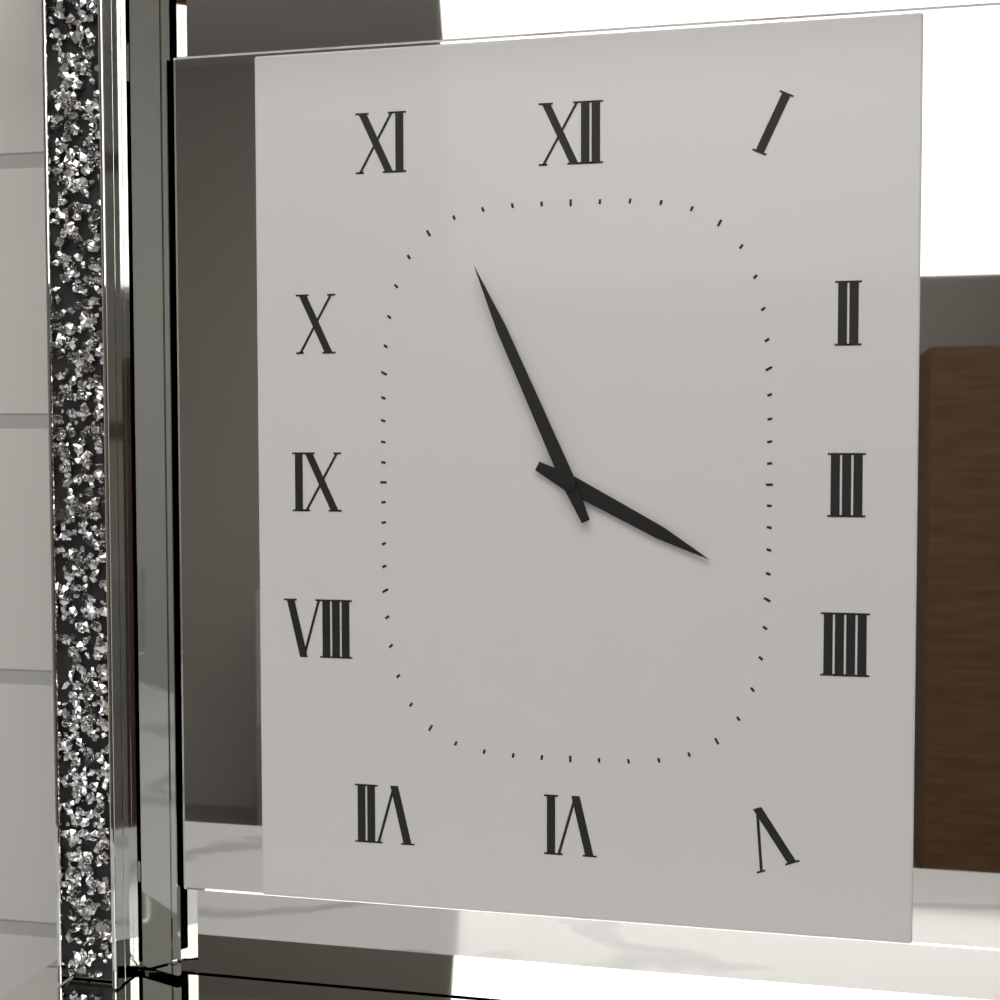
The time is 3,56
